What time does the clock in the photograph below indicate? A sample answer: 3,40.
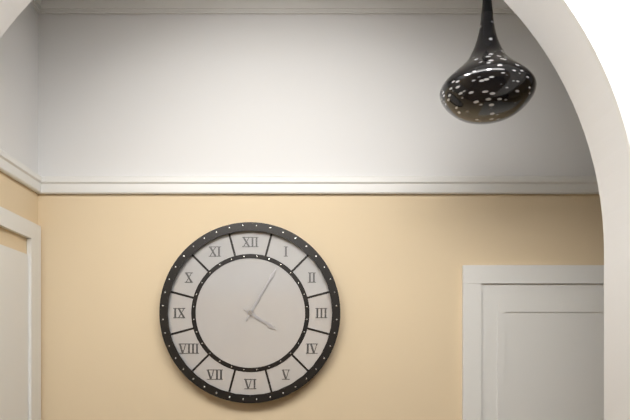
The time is 4,05
